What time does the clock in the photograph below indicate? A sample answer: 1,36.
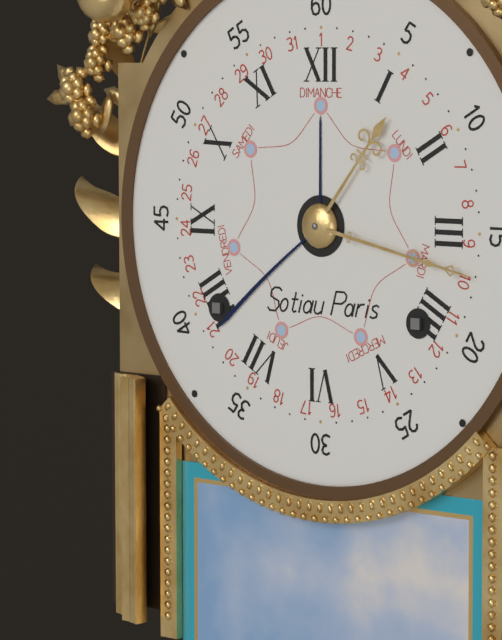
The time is 1,17
